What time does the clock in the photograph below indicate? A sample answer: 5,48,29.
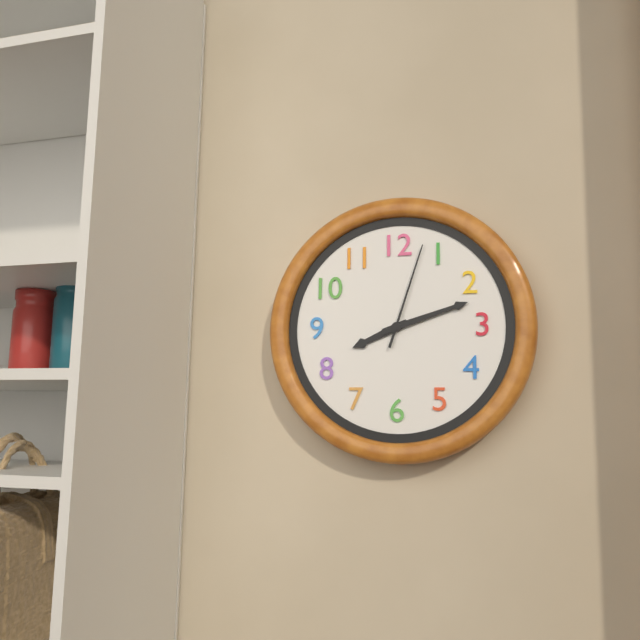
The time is 8,12,03
